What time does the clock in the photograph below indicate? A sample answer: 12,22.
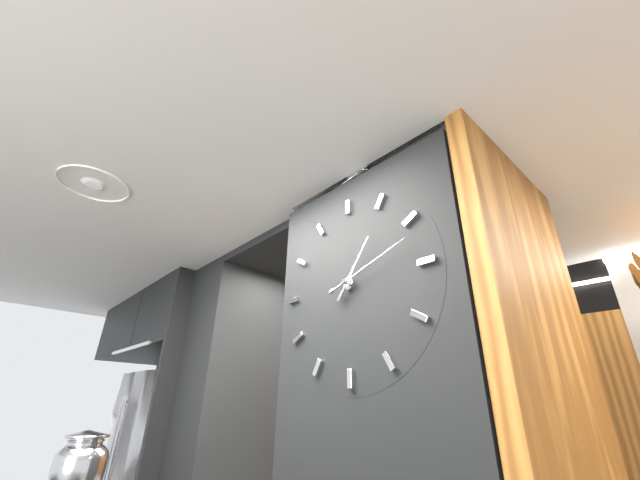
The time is 1,12
